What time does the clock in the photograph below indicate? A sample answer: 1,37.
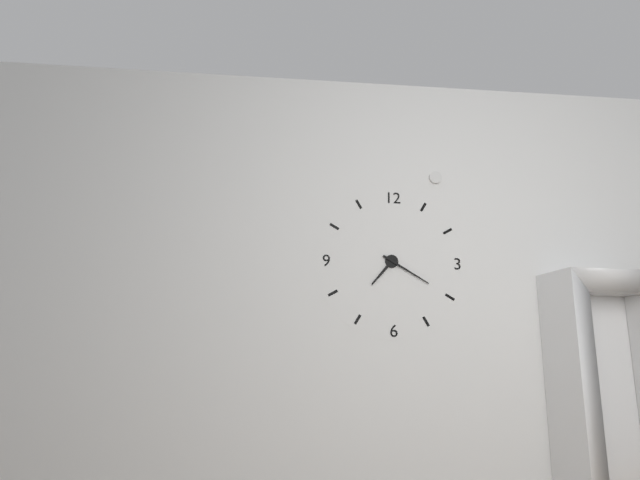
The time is 7,20
